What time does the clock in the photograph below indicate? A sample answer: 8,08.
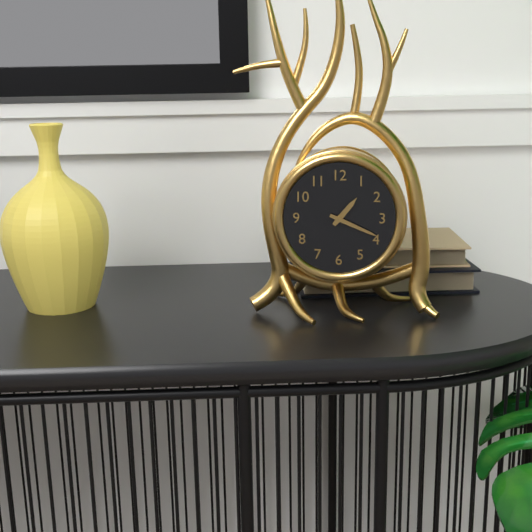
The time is 1,19
